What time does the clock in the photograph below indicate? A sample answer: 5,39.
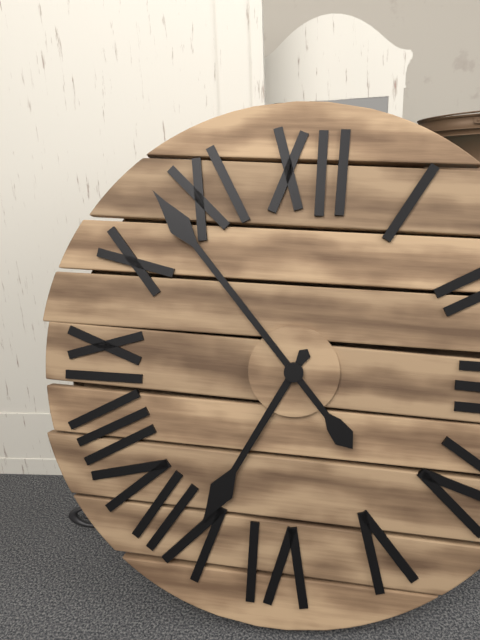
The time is 6,53
